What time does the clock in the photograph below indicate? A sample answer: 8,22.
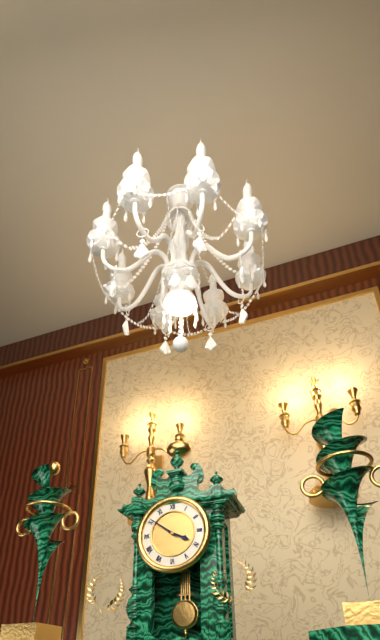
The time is 3,51
